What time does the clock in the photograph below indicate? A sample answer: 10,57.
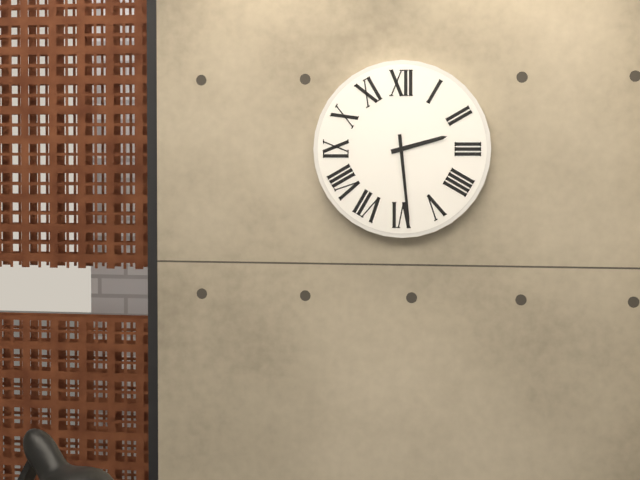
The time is 2,29
